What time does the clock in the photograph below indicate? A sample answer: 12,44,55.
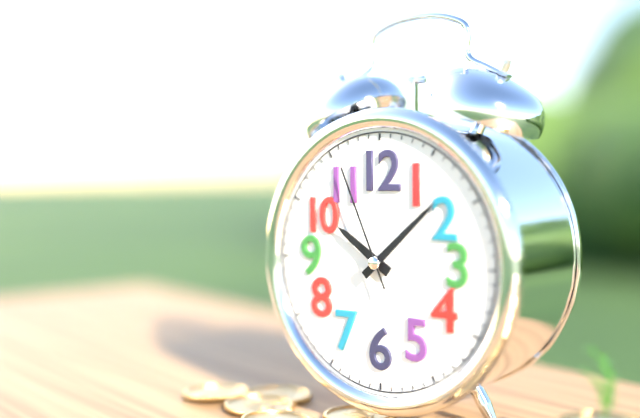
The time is 10,08,56
